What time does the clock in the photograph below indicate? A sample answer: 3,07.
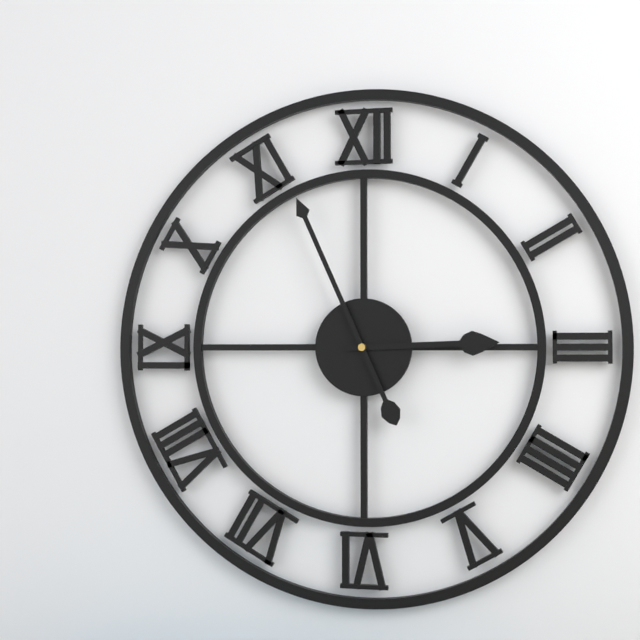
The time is 2,56
